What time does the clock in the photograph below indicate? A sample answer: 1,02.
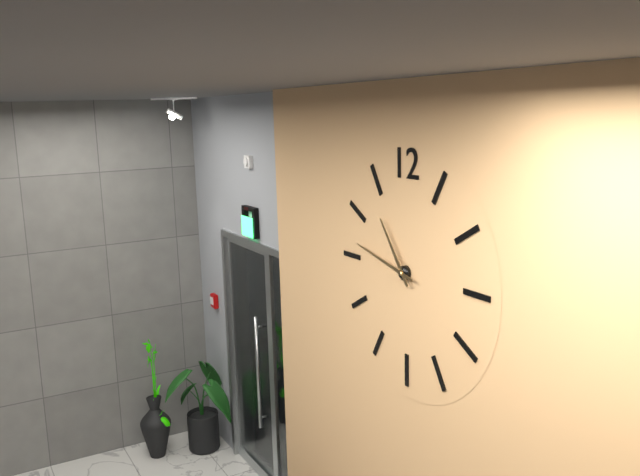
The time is 10,47
